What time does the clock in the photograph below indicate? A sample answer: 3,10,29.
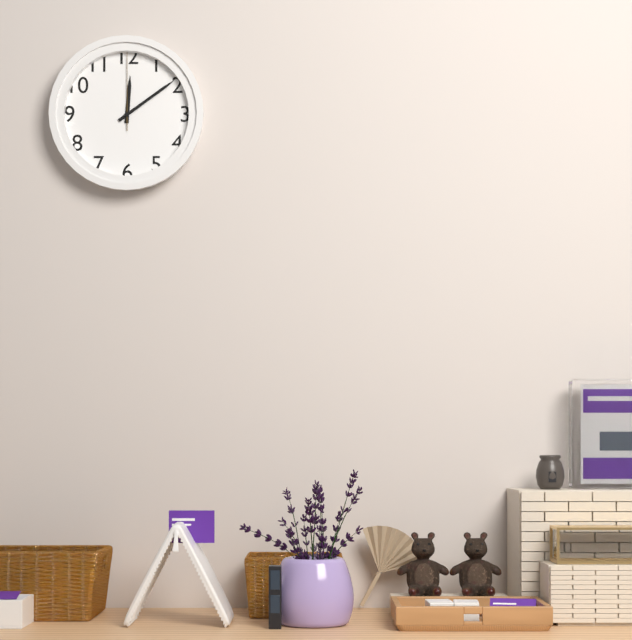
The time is 12,09,00
